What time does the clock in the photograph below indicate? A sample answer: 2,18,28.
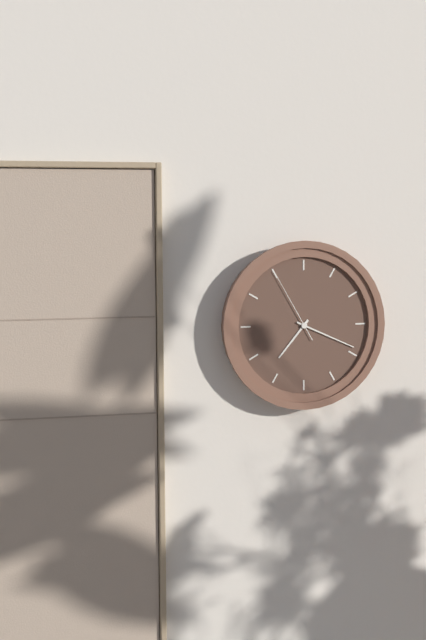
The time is 7,19,55
